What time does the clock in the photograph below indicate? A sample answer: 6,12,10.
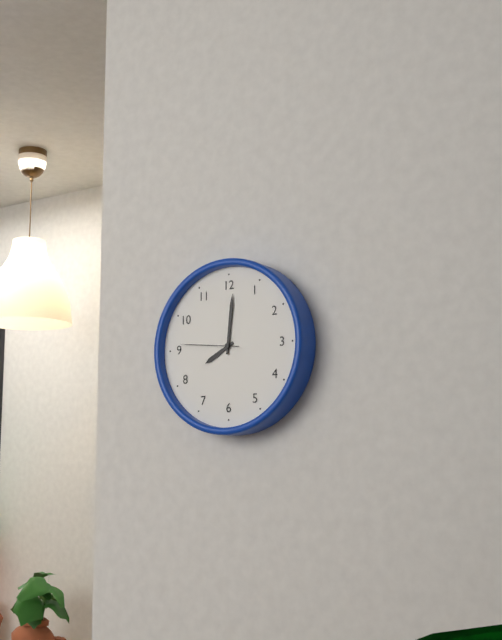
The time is 8,01,46
